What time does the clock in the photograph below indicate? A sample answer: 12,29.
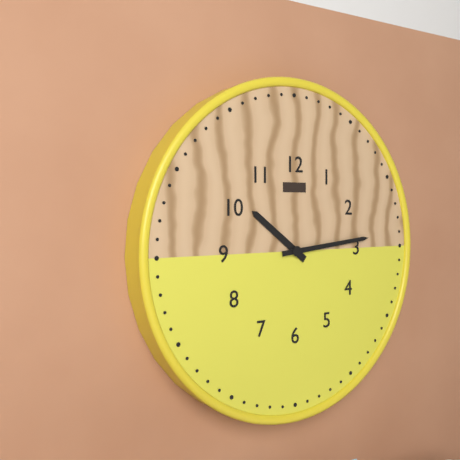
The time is 10,14
